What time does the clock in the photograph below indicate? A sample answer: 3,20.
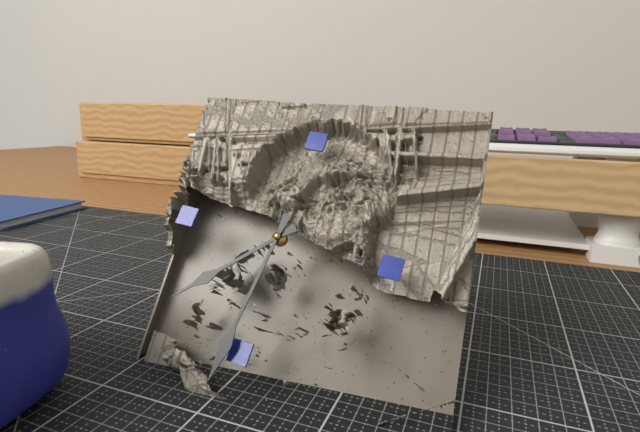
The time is 7,31
